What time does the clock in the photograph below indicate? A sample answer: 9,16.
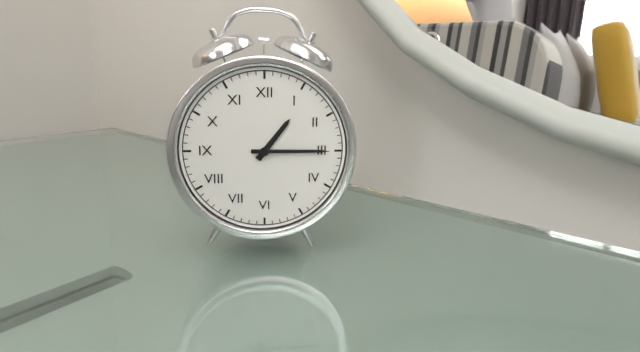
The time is 1,15
